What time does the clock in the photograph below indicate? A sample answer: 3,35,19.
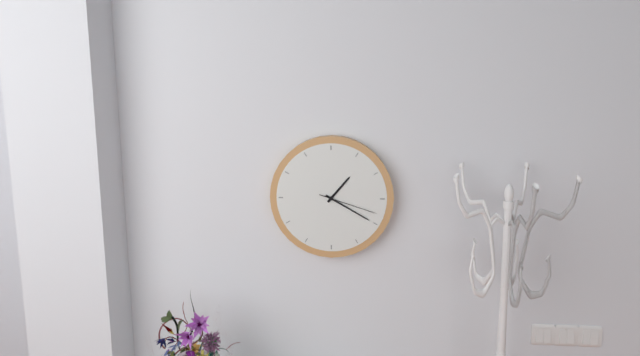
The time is 1,20,18
